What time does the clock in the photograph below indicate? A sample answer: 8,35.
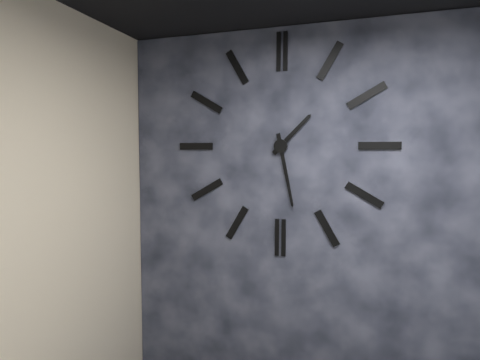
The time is 1,28
